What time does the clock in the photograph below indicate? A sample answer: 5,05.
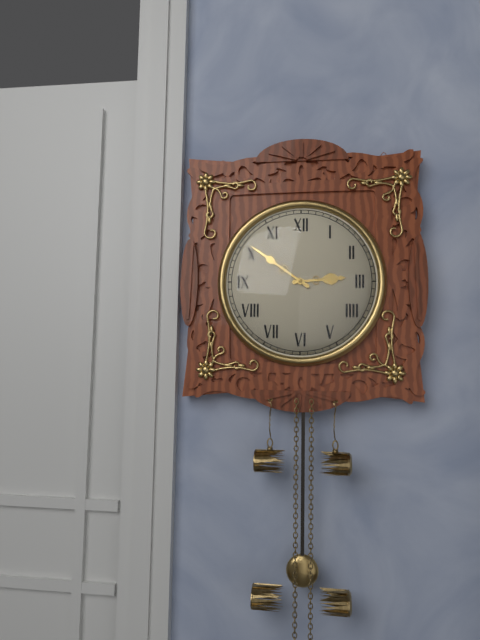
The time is 2,51
